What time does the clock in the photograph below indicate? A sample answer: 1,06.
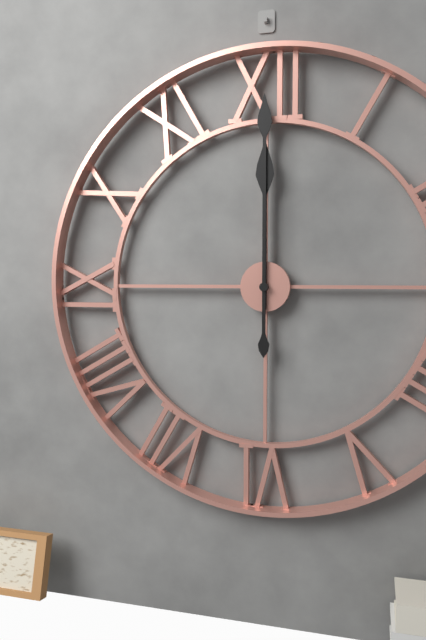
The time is 12,00
